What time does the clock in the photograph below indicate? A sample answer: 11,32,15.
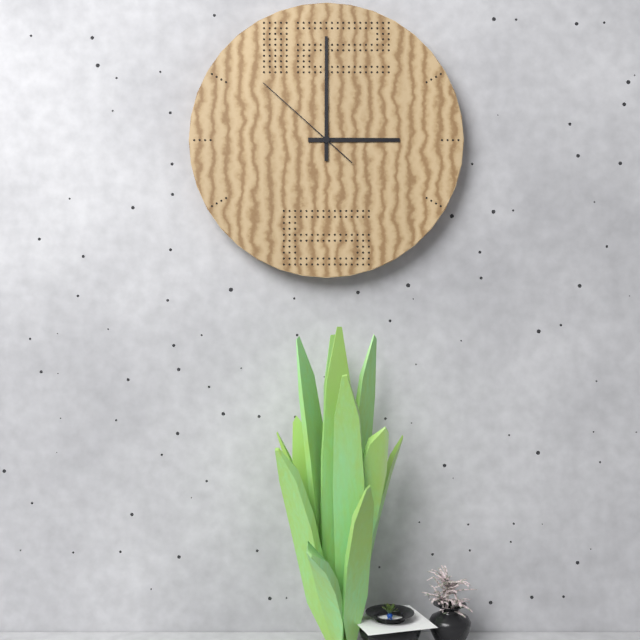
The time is 3,00,52
